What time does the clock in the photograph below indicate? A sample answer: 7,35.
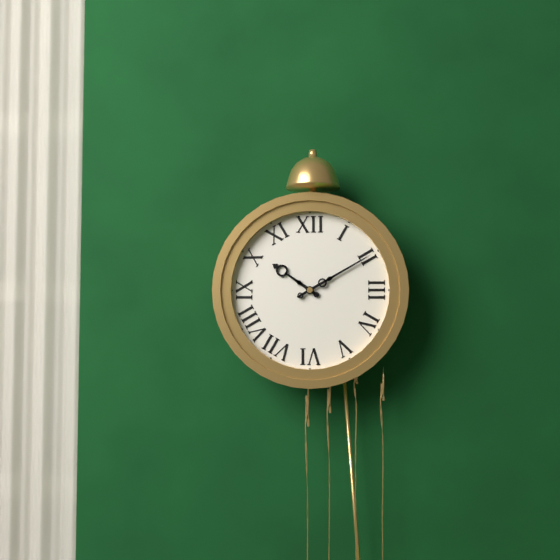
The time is 10,10
